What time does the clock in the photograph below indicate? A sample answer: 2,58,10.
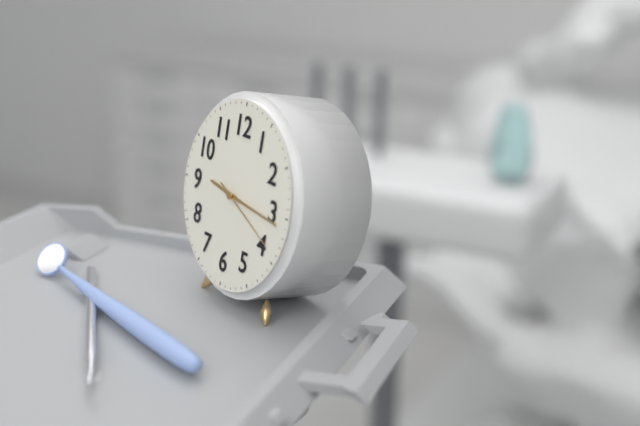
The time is 9,16,19
